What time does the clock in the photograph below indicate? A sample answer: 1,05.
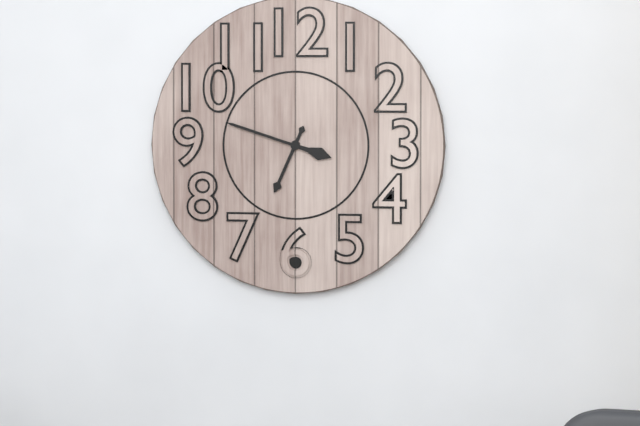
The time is 6,48
